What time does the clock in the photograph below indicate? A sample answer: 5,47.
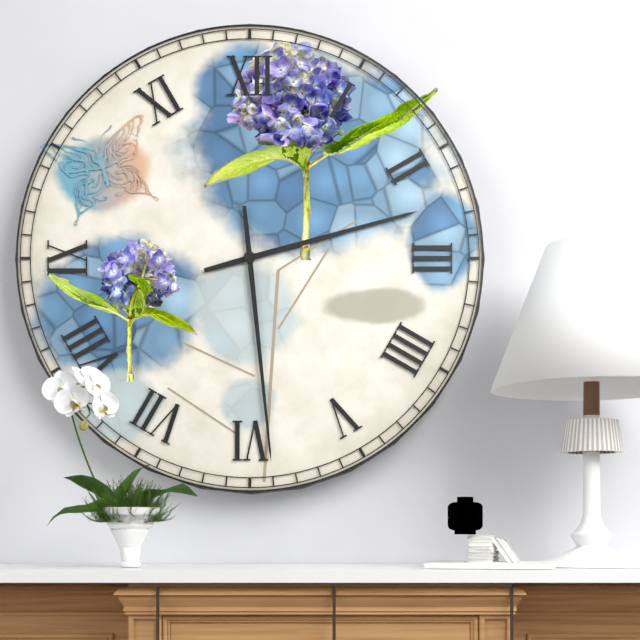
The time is 2,29
